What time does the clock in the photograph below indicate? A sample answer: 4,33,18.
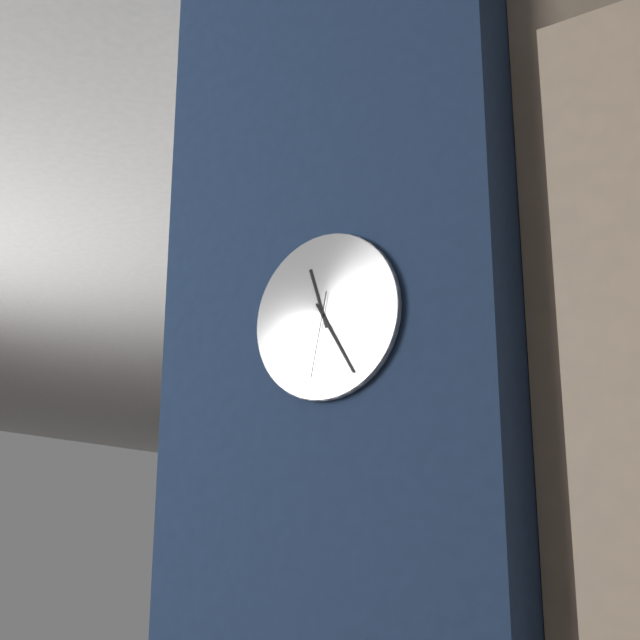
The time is 11,25,32
